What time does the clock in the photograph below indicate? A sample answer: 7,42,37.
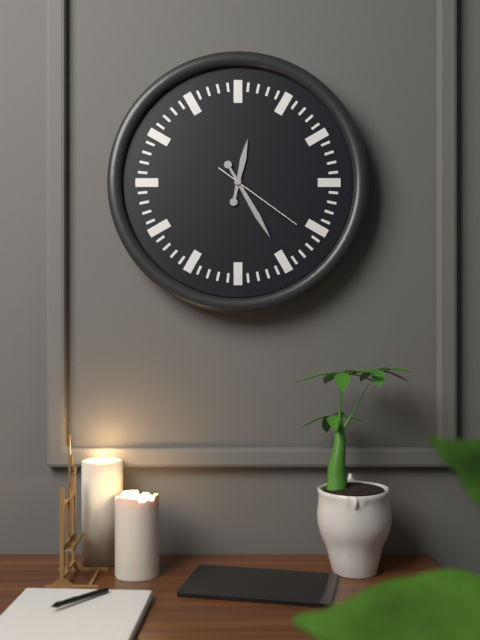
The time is 12,25,21
